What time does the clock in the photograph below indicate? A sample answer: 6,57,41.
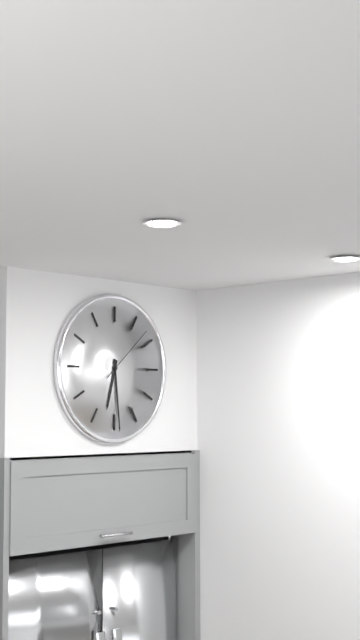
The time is 6,29,08
